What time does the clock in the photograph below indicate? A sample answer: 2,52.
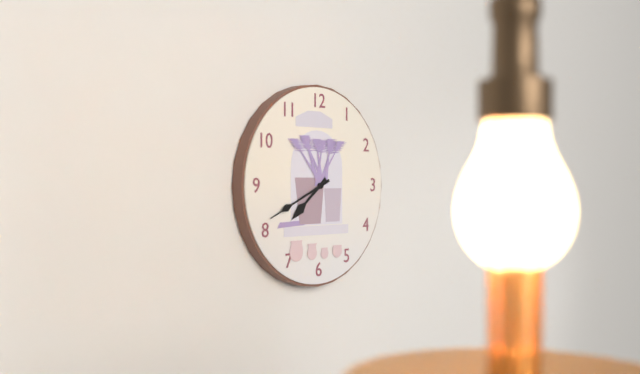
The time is 7,41
